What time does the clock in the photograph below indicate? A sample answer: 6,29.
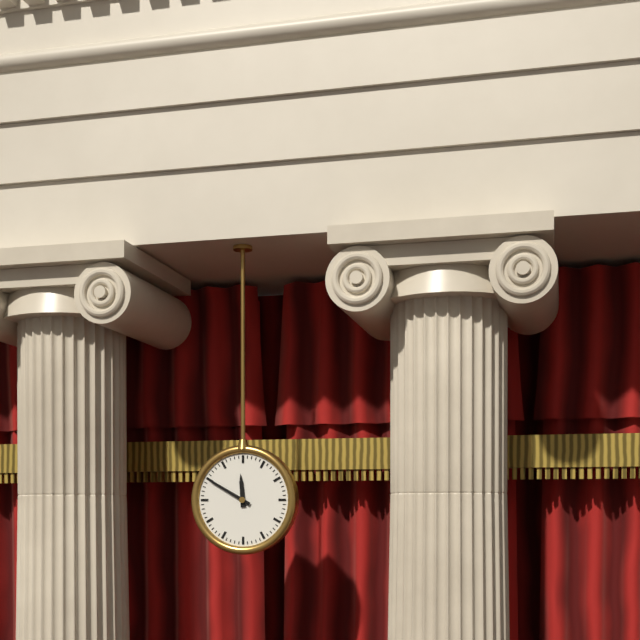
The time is 11,50
